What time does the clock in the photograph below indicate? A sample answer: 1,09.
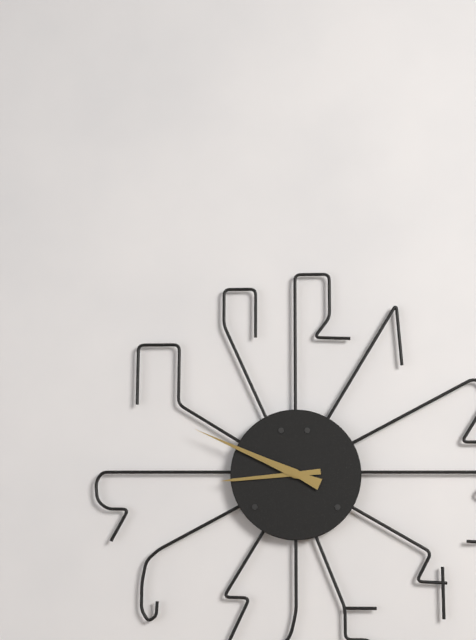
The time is 8,49
